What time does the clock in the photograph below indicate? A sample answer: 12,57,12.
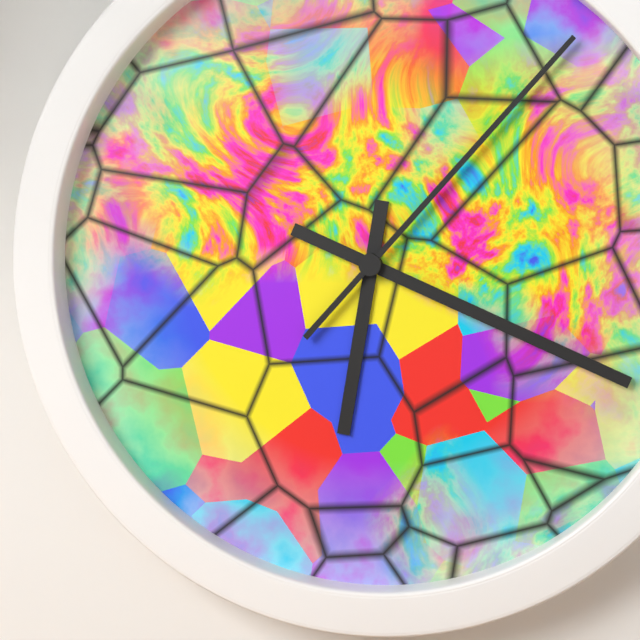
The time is 6,19,07
